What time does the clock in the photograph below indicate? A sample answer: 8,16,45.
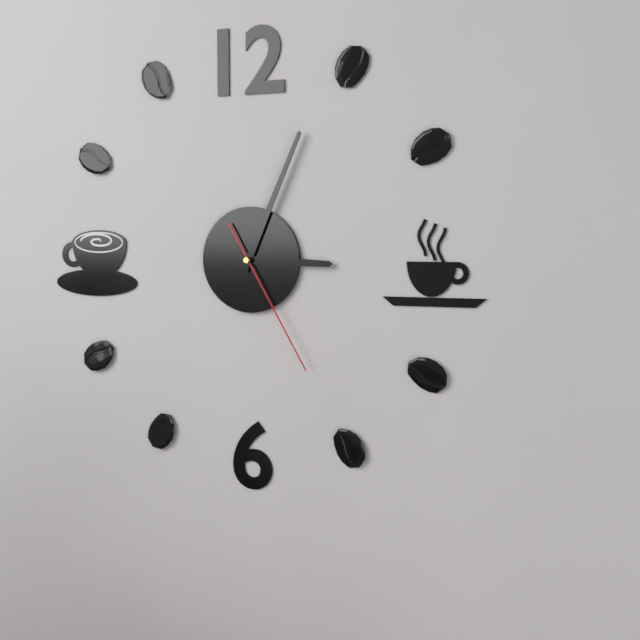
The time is 3,04,25
